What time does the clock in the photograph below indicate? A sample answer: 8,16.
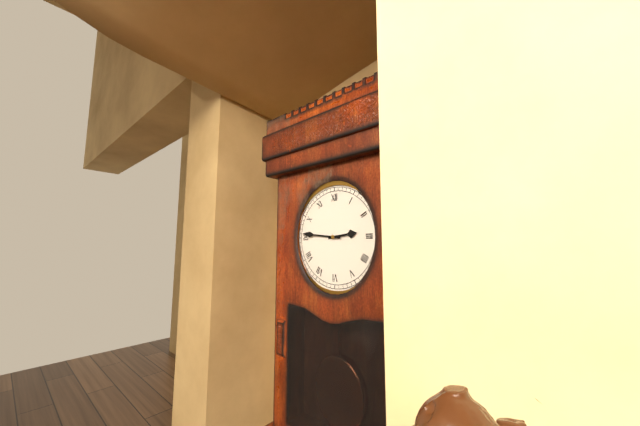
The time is 2,46
